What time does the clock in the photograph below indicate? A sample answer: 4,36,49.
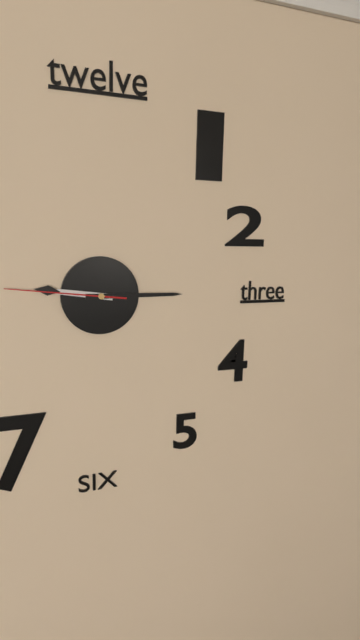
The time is 9,15,46
